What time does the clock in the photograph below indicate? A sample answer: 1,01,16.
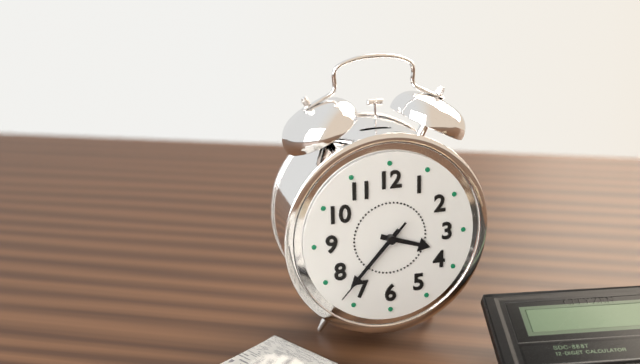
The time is 3,37,37
